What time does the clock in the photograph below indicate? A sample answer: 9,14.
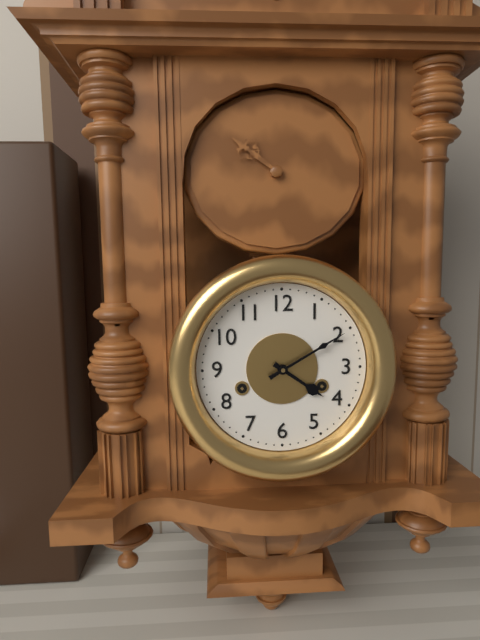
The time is 4,10
